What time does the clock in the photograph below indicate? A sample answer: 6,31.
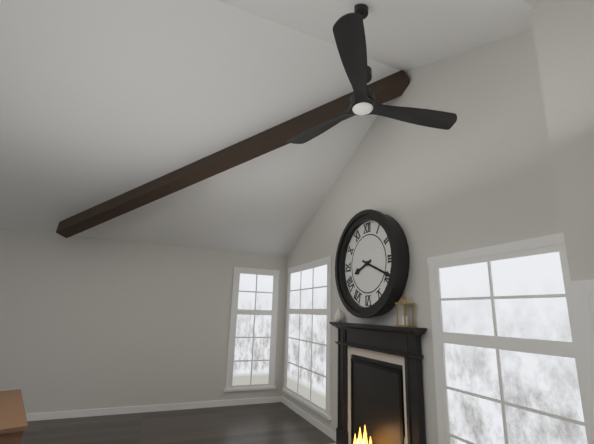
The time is 8,19
